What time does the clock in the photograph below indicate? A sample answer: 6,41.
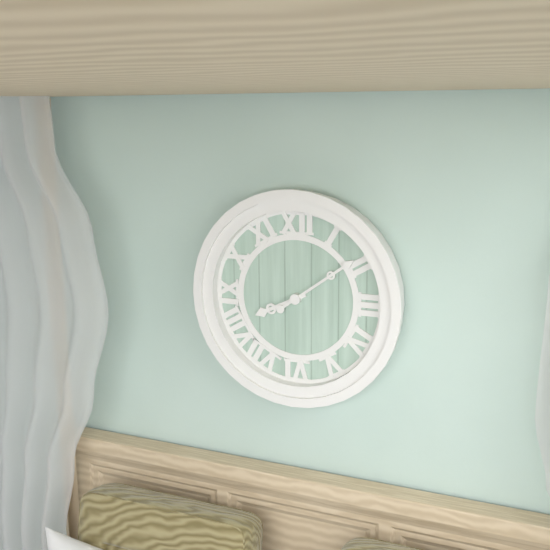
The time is 8,09
